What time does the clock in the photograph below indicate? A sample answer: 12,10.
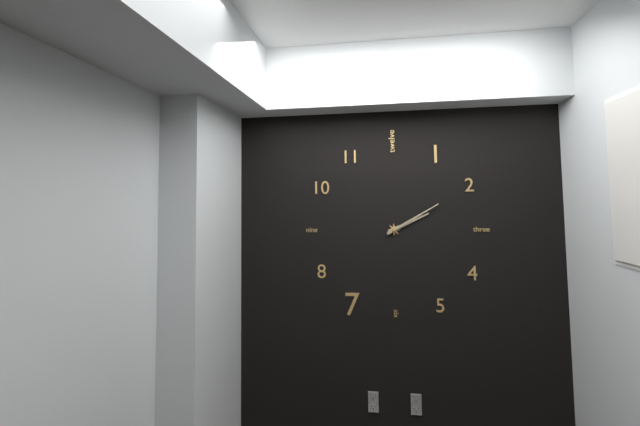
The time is 2,10
